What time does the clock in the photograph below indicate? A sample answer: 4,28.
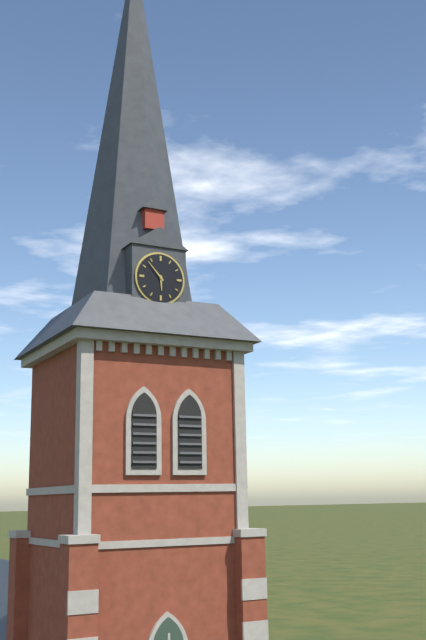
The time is 5,53
